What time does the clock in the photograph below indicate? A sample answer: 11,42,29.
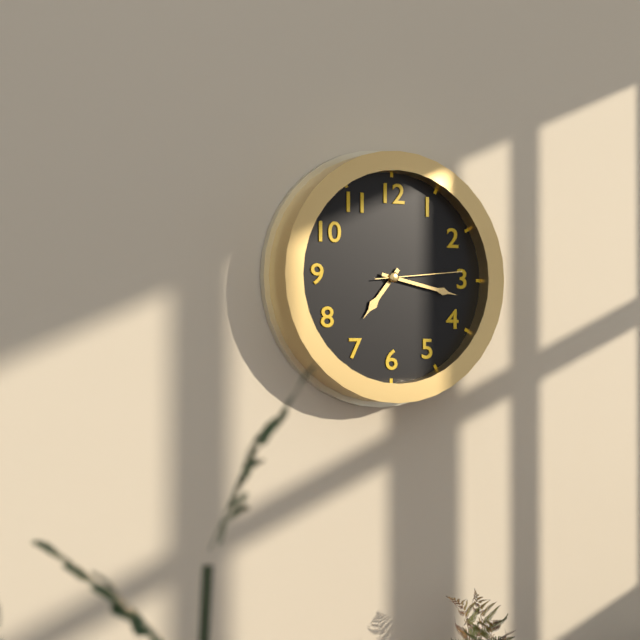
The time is 7,17,14
